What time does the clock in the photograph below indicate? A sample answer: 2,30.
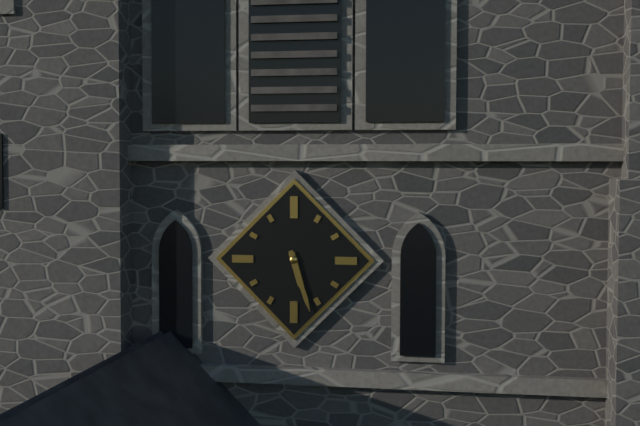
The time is 5,27
